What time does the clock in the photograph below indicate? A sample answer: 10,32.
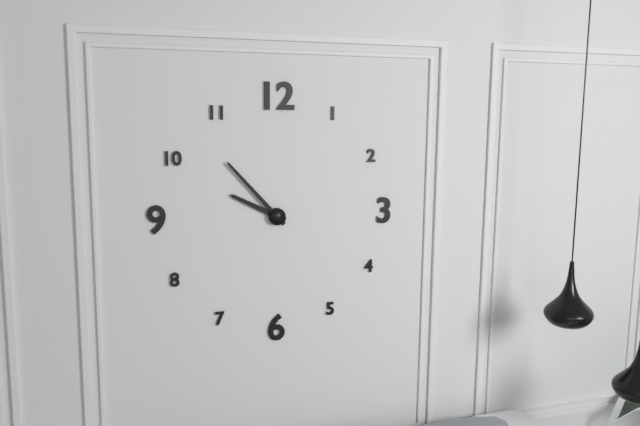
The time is 9,53
